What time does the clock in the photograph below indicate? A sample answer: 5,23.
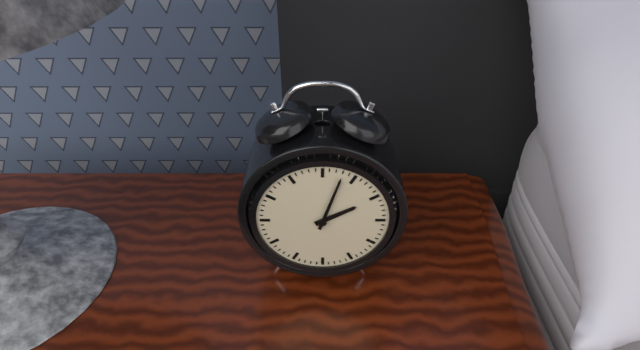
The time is 2,03
